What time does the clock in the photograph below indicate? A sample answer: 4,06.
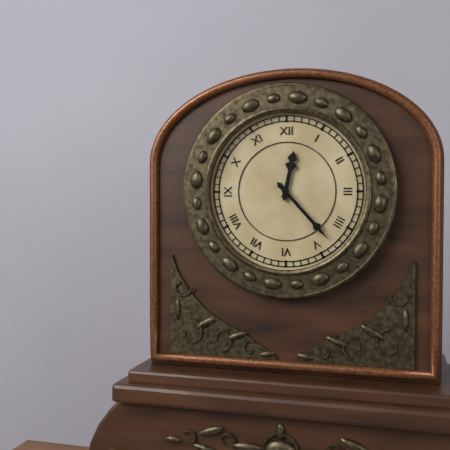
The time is 12,23
